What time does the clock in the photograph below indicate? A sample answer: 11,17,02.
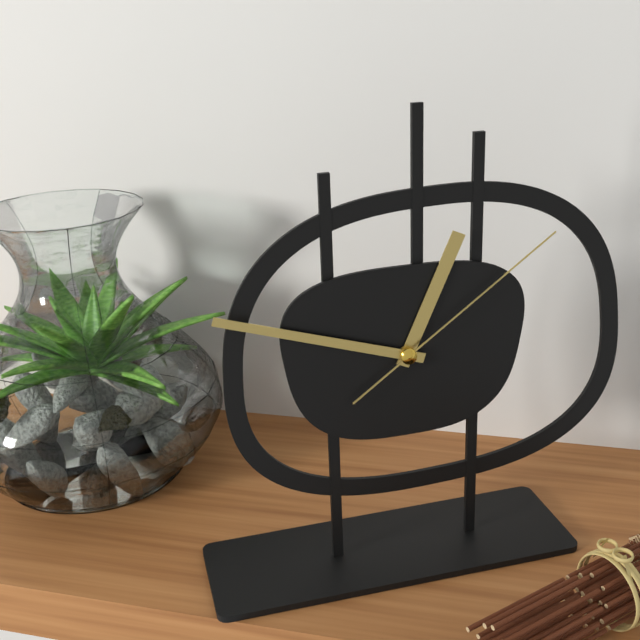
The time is 12,48,09
